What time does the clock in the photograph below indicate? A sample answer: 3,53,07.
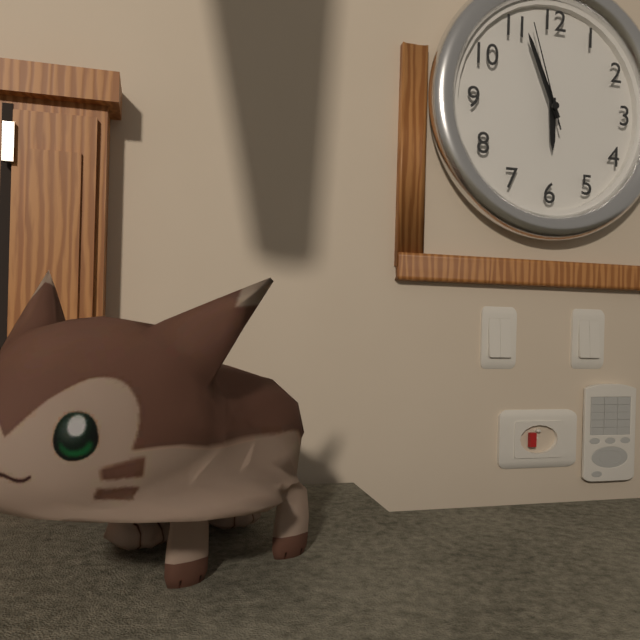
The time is 5,56,57
